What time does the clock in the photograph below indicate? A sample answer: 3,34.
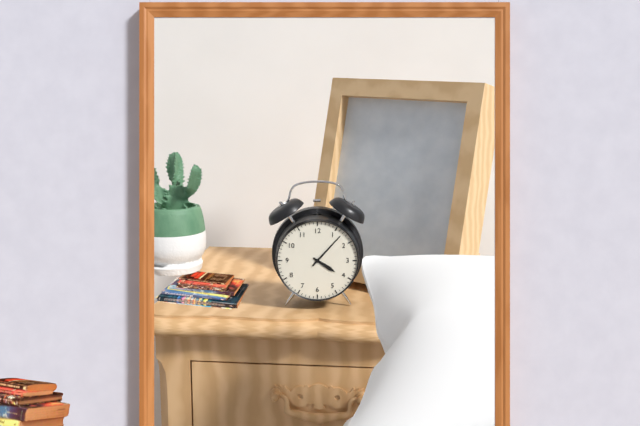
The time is 4,07
